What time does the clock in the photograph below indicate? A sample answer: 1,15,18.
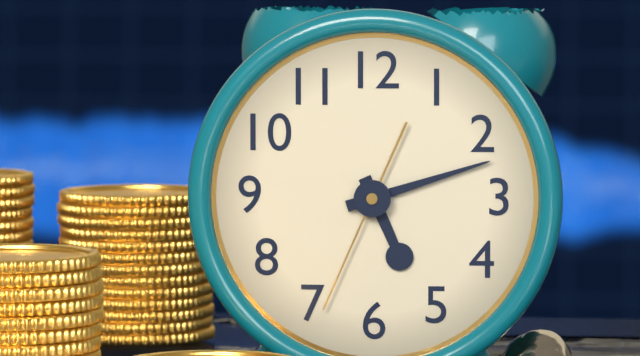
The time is 5,12,34
